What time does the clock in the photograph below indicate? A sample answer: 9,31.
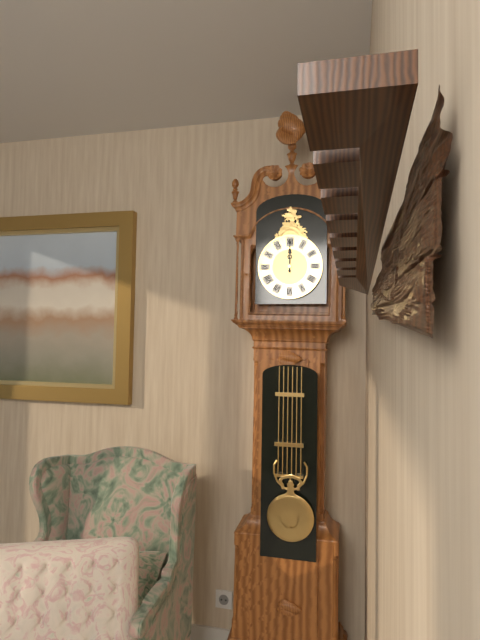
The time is 12,00
